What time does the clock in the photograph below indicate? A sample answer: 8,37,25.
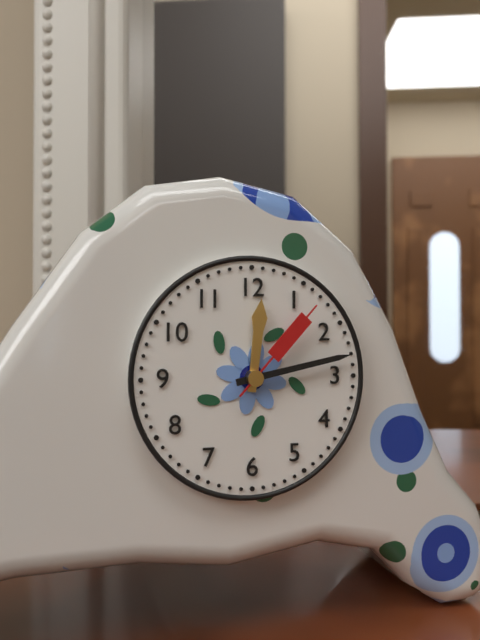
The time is 12,13,07
